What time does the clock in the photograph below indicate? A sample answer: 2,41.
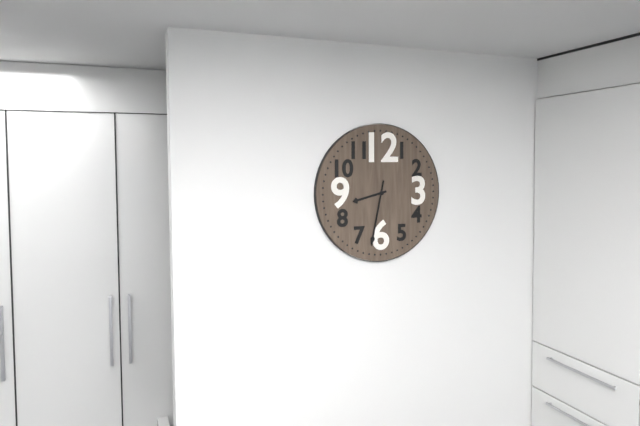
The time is 8,32
